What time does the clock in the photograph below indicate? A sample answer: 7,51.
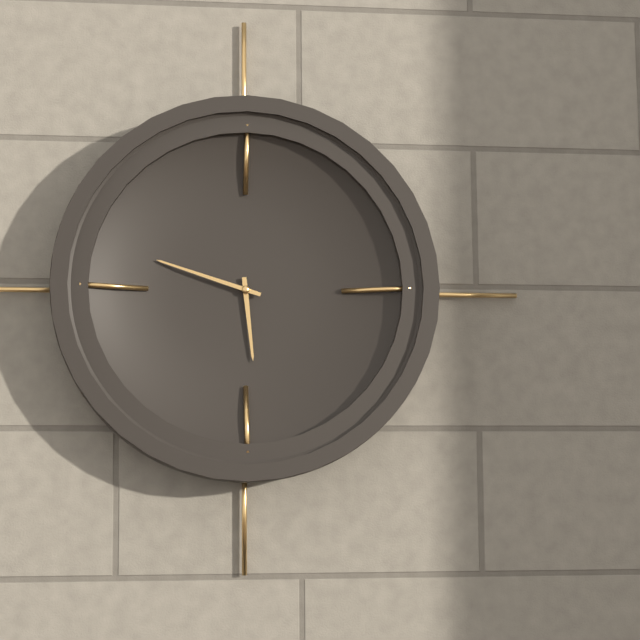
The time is 5,48
